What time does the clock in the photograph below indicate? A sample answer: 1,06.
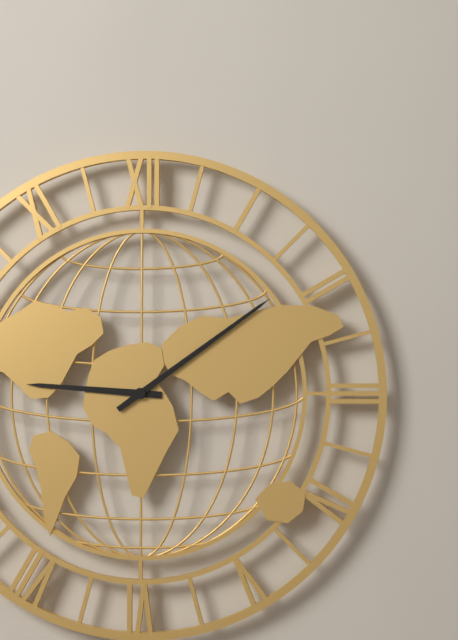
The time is 9,09
